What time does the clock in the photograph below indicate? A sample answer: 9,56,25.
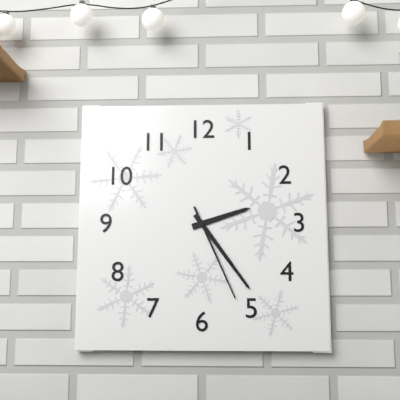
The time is 2,24,26
